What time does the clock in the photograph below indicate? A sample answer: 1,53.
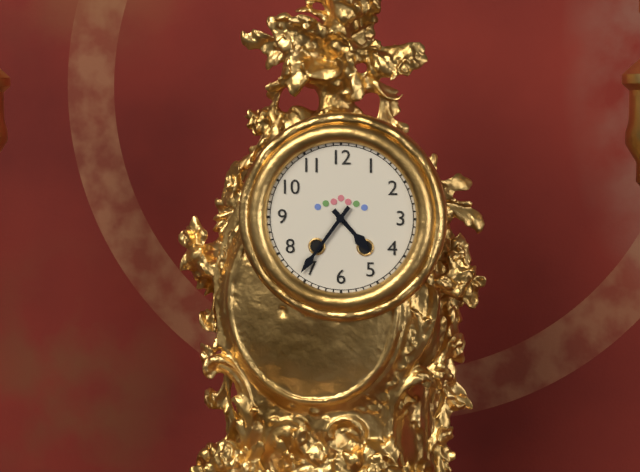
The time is 4,36
